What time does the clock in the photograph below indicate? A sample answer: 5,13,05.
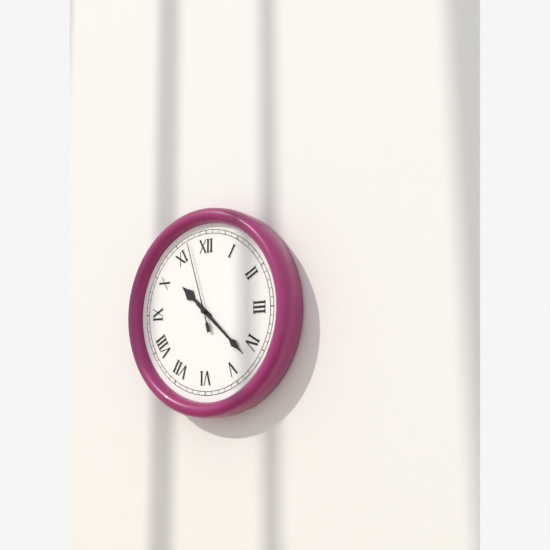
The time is 10,22,57
